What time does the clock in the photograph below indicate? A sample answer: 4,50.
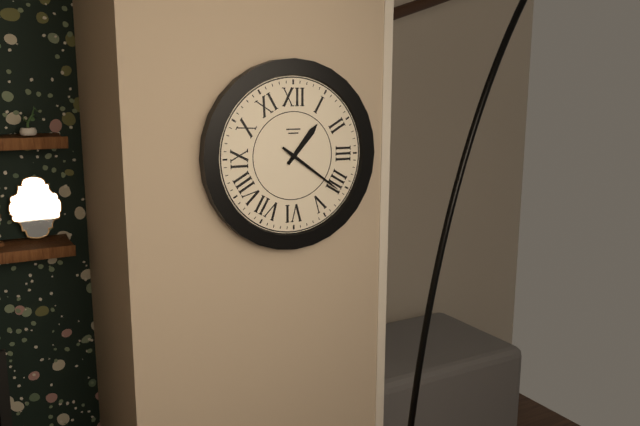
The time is 1,21
